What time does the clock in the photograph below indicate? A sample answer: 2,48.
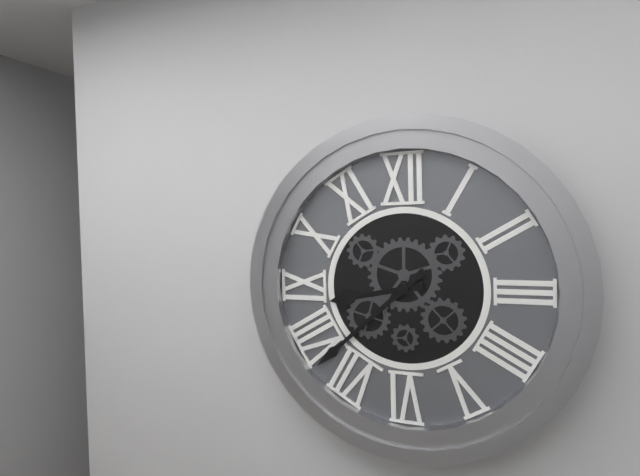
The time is 8,38
